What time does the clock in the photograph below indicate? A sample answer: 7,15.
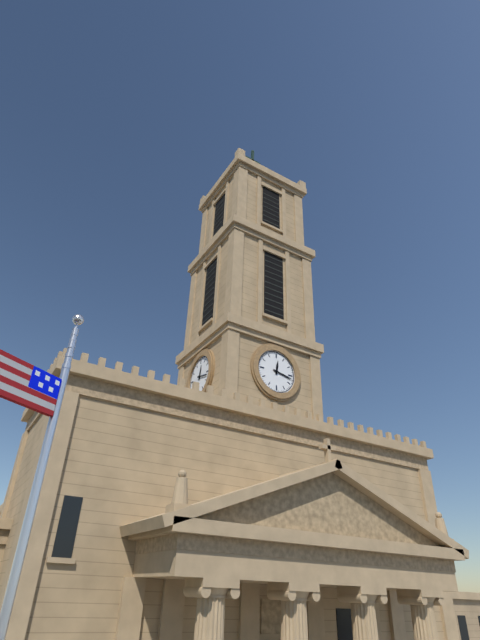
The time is 12,17
